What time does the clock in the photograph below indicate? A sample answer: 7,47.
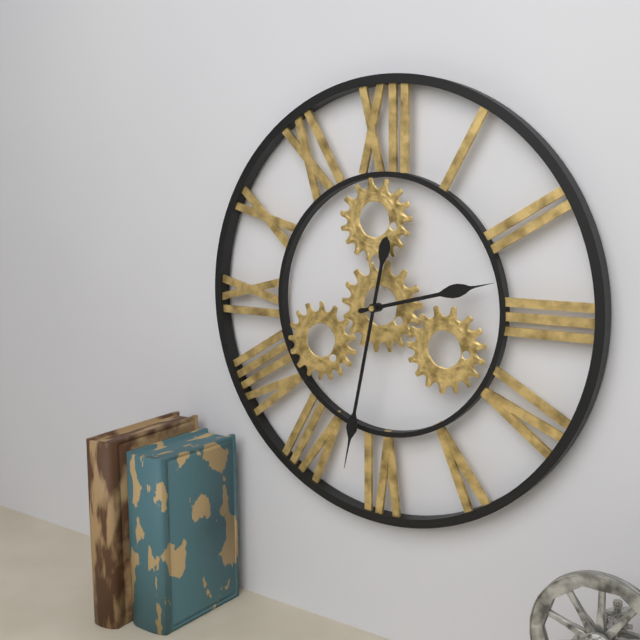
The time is 2,32
